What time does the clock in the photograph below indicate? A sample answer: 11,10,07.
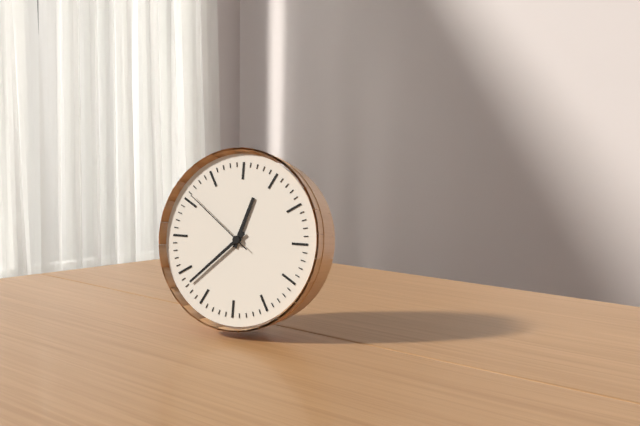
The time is 12,38,51
